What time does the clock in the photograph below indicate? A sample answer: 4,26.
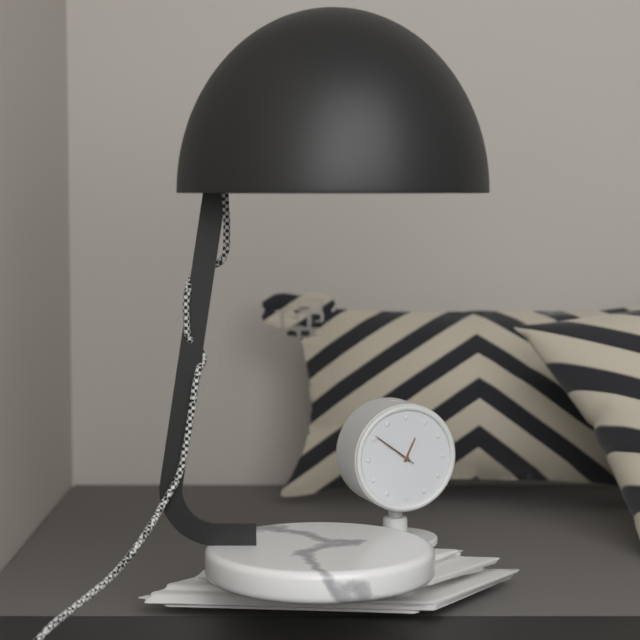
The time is 12,51
